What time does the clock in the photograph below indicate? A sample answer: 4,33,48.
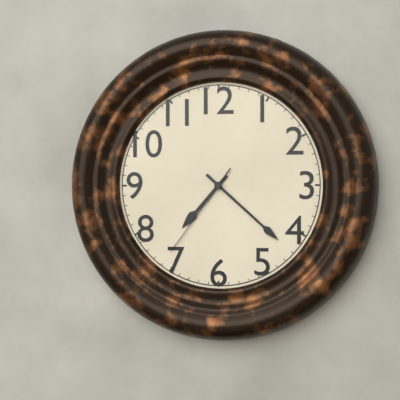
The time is 7,22,36
